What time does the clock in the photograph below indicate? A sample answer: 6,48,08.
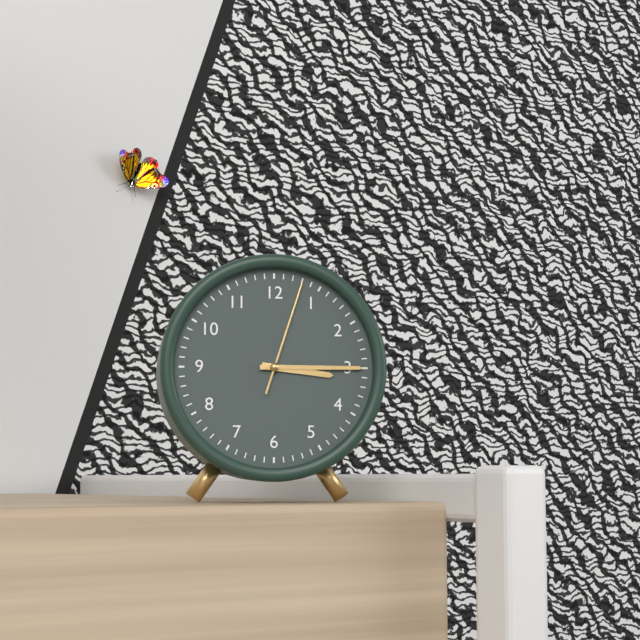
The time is 3,15,03
